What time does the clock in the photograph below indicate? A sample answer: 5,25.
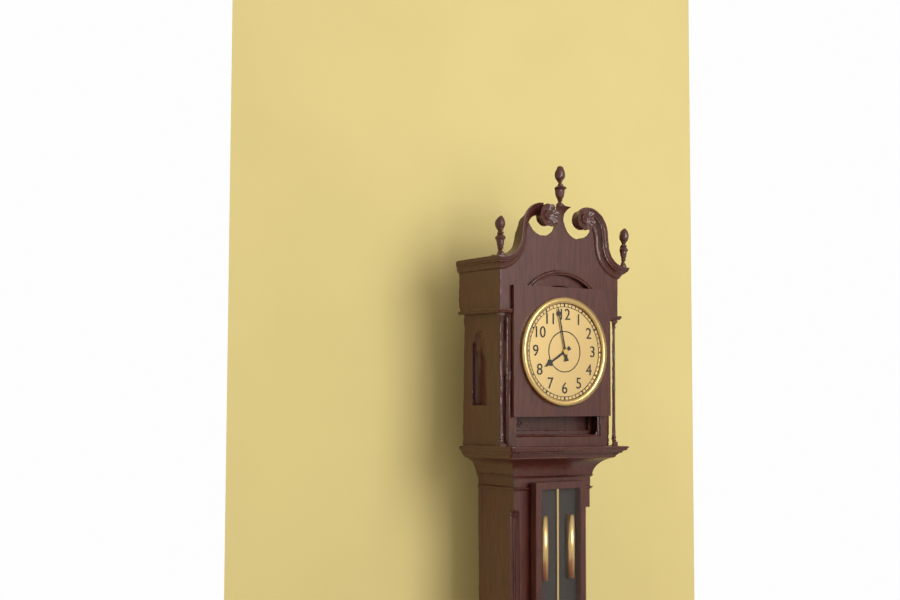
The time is 7,58
